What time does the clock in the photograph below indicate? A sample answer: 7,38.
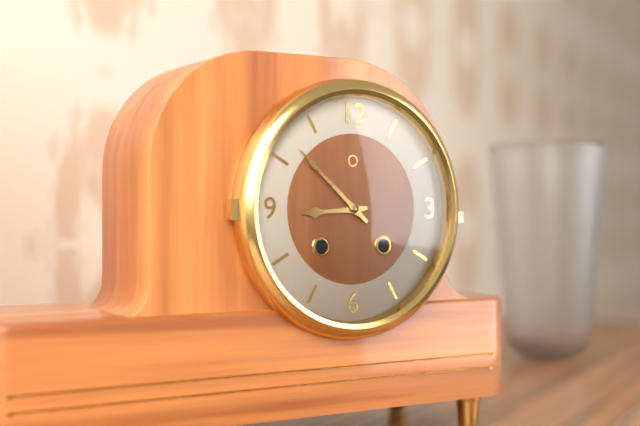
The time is 8,52
